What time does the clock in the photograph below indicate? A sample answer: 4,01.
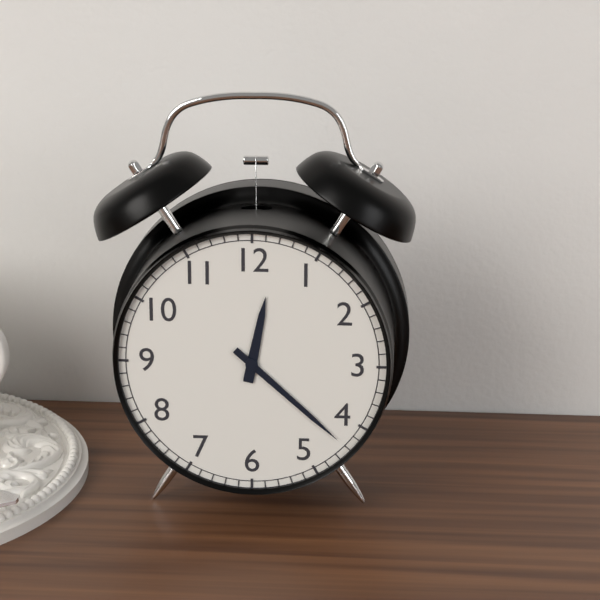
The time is 12,22
